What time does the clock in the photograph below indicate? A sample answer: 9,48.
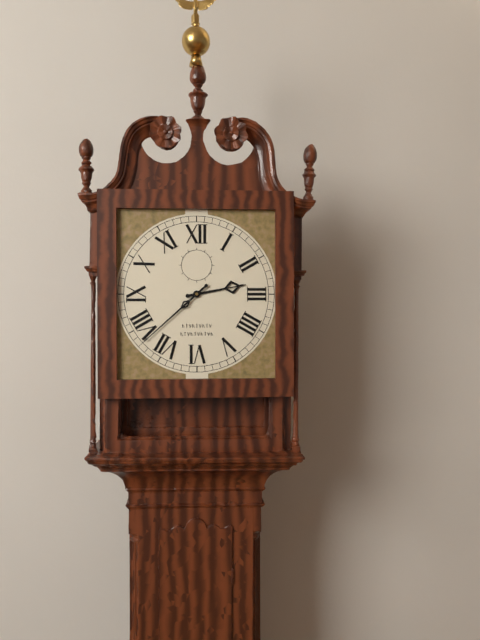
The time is 2,38
